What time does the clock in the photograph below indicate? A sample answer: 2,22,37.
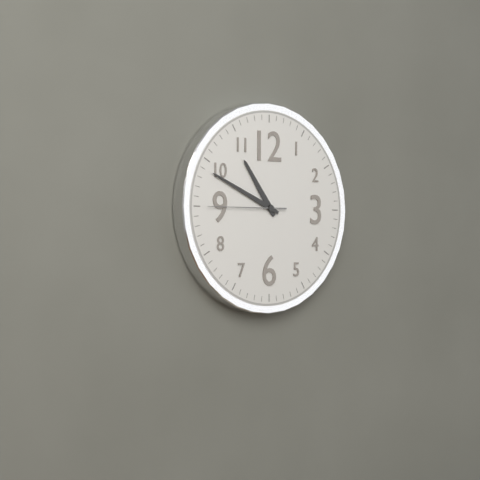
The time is 10,49,45
